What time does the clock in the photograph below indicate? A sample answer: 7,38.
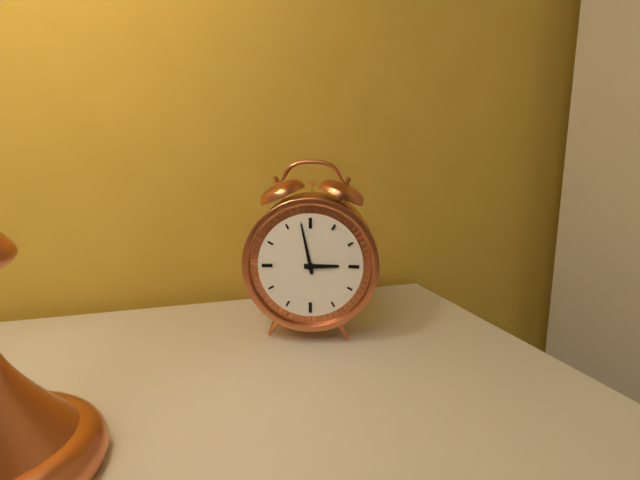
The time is 2,58
